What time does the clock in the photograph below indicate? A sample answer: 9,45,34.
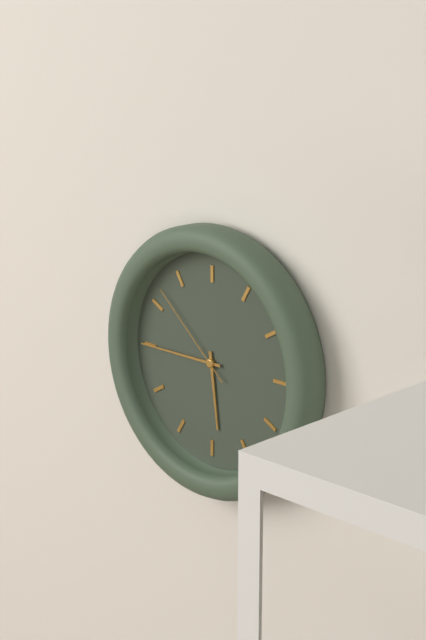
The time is 5,45,52
